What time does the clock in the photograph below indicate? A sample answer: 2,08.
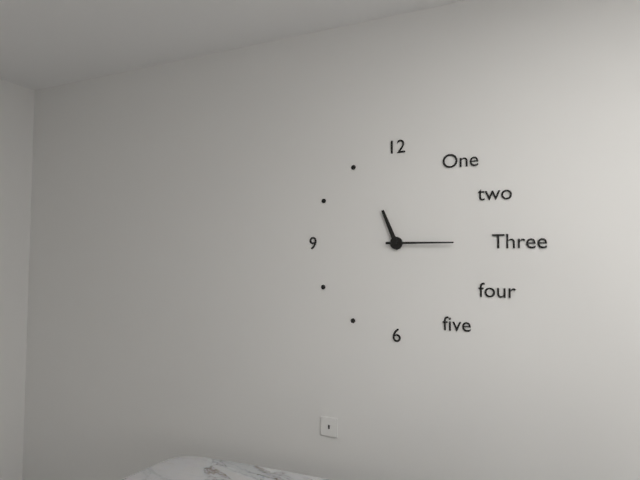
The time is 11,15
